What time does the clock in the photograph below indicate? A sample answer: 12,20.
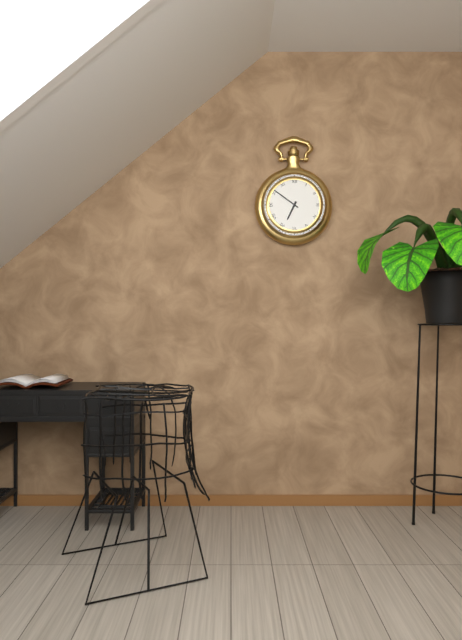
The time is 6,51
